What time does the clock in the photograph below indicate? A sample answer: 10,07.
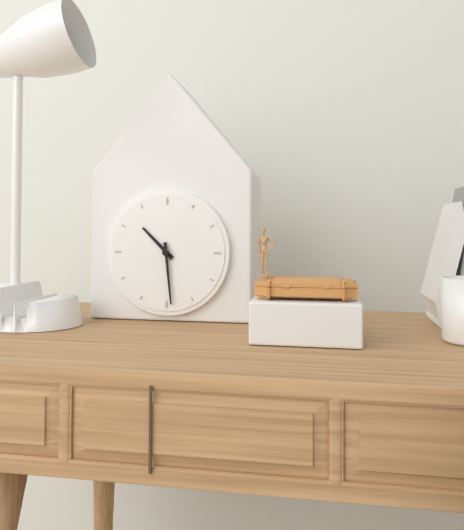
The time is 10,29
